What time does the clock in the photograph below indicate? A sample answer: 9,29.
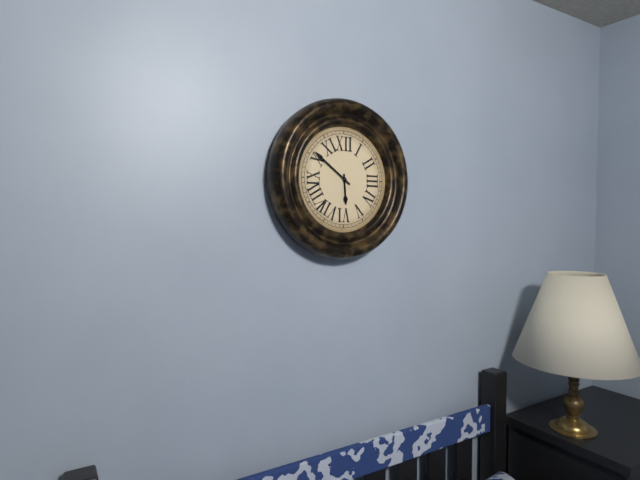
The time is 5,51
